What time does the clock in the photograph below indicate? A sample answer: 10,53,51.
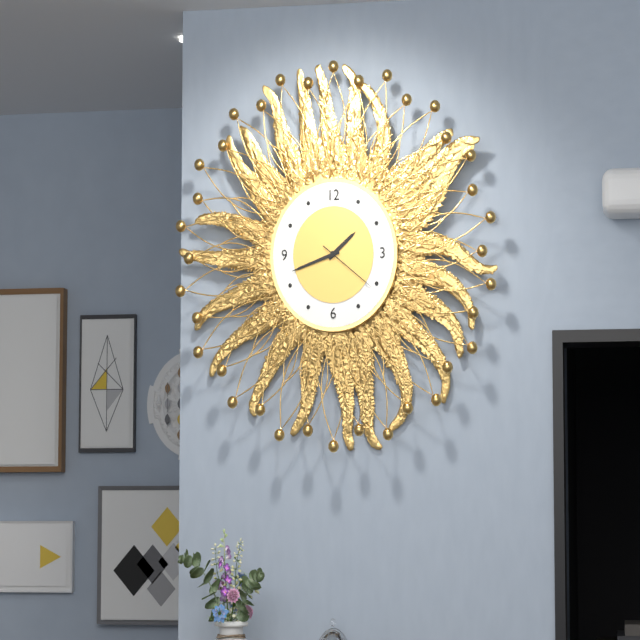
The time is 1,42,21
